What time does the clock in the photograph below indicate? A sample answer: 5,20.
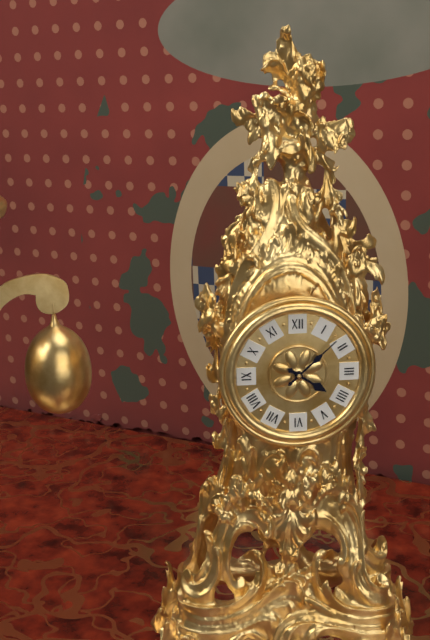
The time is 4,08
